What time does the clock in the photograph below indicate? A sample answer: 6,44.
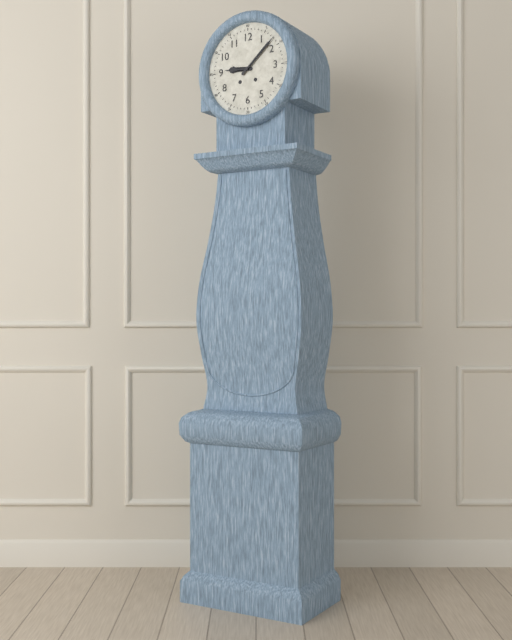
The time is 9,08
